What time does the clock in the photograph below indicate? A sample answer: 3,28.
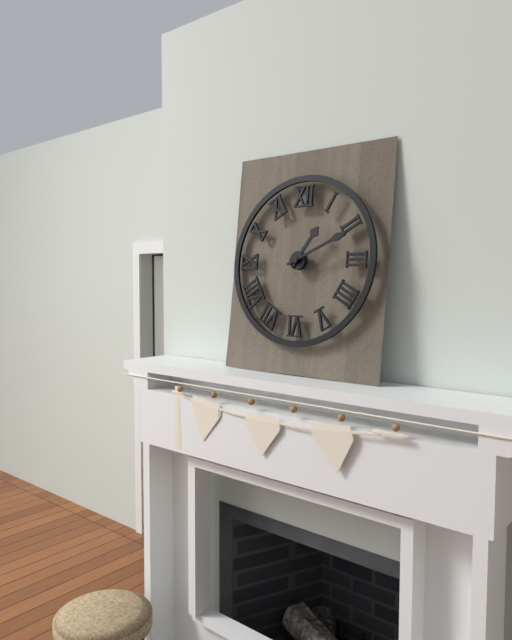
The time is 1,11
